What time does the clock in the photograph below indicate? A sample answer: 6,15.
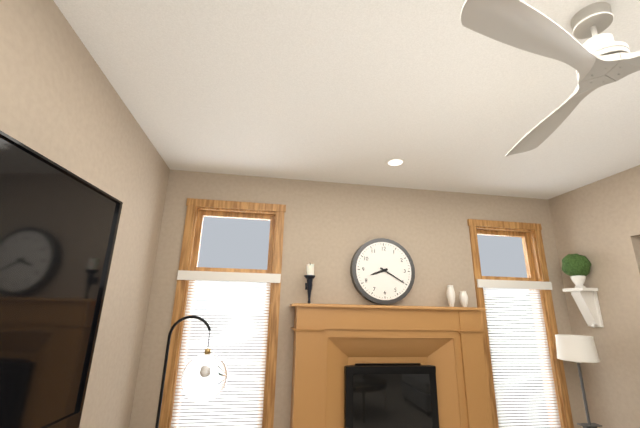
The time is 8,20
